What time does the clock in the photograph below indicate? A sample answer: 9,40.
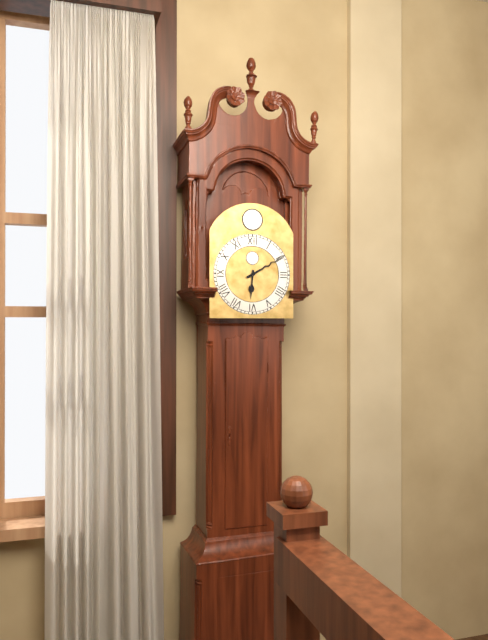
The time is 6,10
